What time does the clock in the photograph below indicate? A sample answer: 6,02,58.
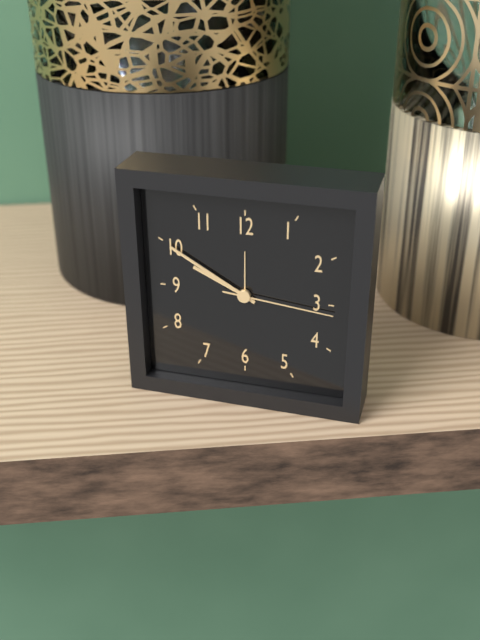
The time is 9,50,16
